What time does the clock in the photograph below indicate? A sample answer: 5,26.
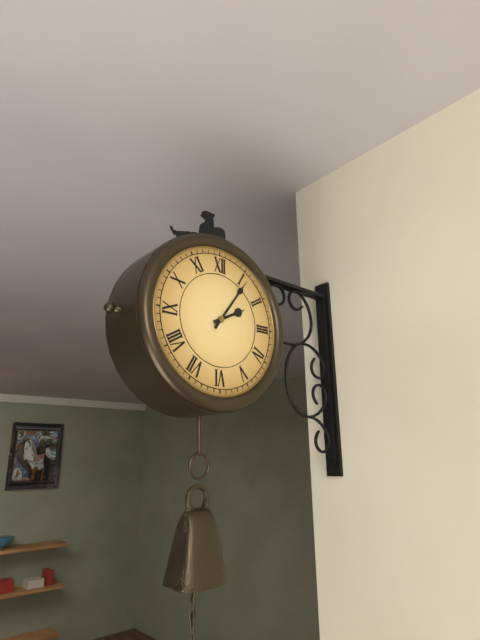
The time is 2,06
